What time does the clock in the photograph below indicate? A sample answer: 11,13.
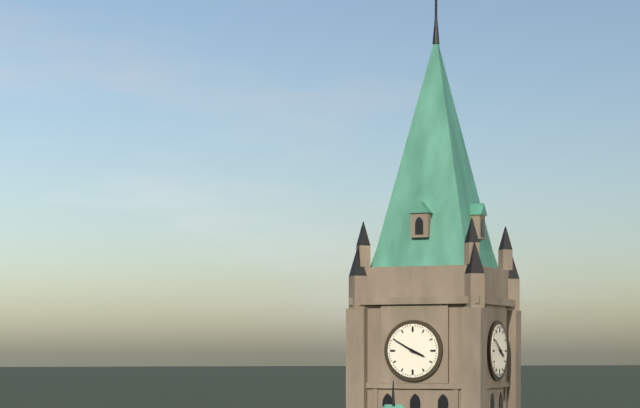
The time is 3,50
